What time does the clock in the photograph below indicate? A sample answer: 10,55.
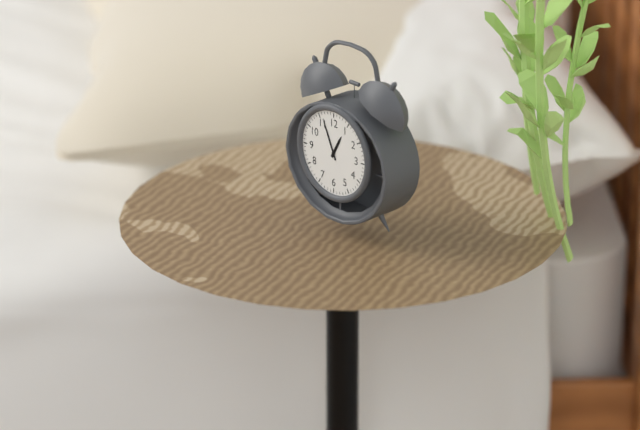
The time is 12,56
